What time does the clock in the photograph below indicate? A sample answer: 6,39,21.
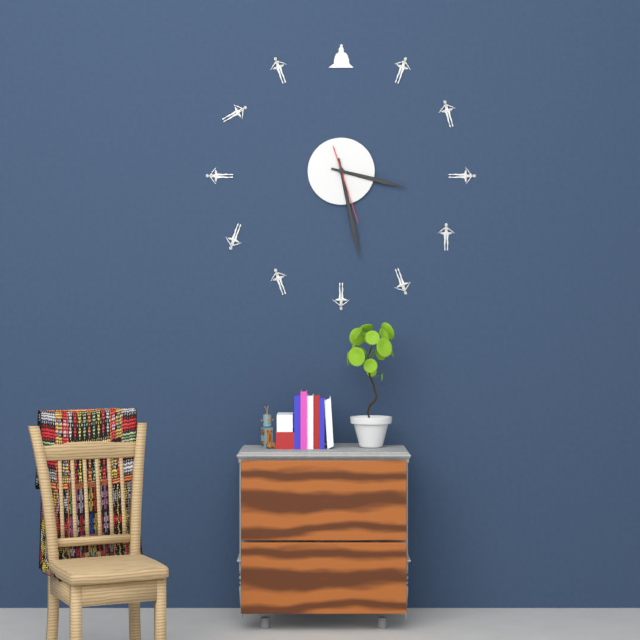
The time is 3,28,27
